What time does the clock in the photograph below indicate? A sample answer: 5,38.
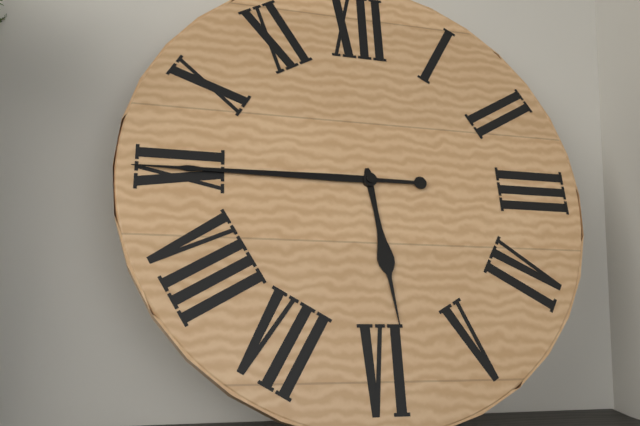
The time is 5,45
